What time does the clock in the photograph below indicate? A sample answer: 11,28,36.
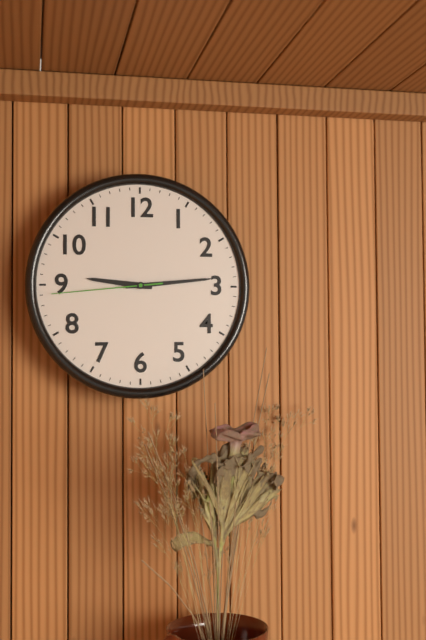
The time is 9,14,44
